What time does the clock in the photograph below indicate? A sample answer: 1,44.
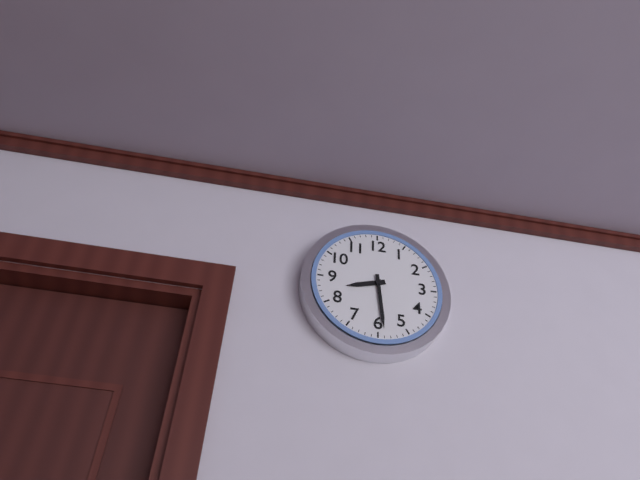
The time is 8,29
